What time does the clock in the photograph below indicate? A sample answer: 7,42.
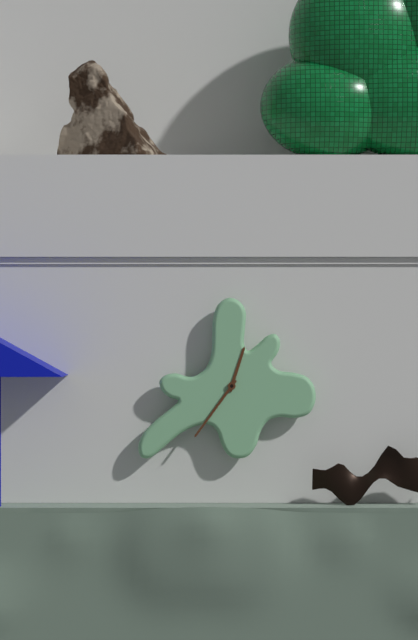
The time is 12,36
